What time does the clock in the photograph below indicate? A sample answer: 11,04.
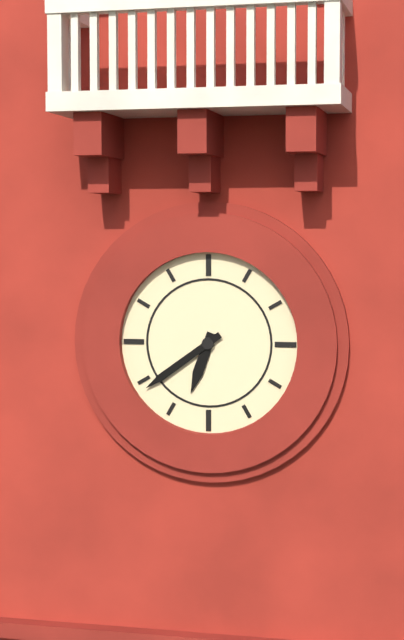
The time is 6,39
